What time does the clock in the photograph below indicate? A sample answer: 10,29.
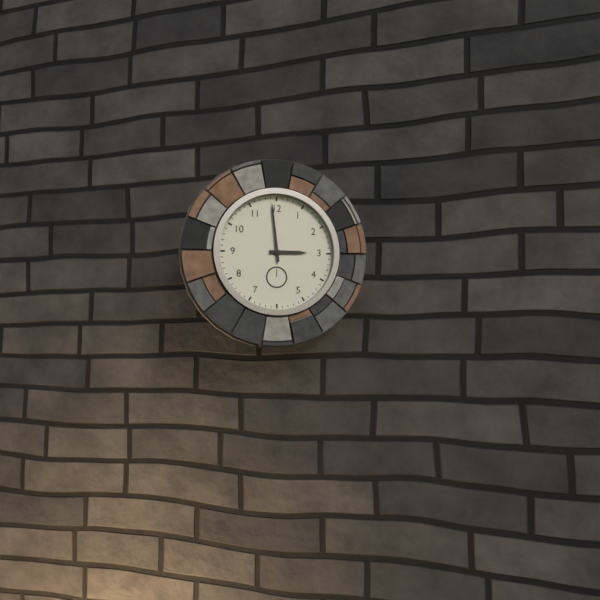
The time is 2,59
